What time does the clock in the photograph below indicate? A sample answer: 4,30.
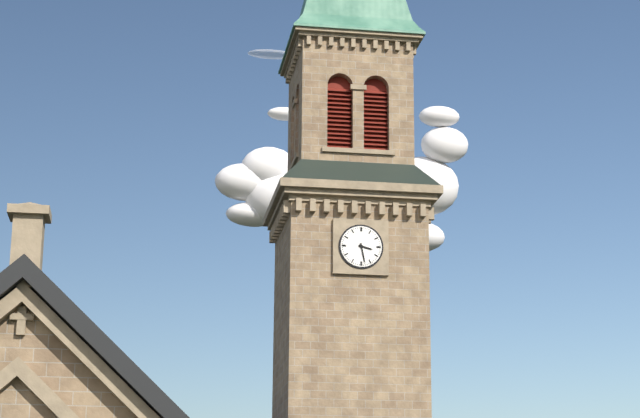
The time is 3,28
